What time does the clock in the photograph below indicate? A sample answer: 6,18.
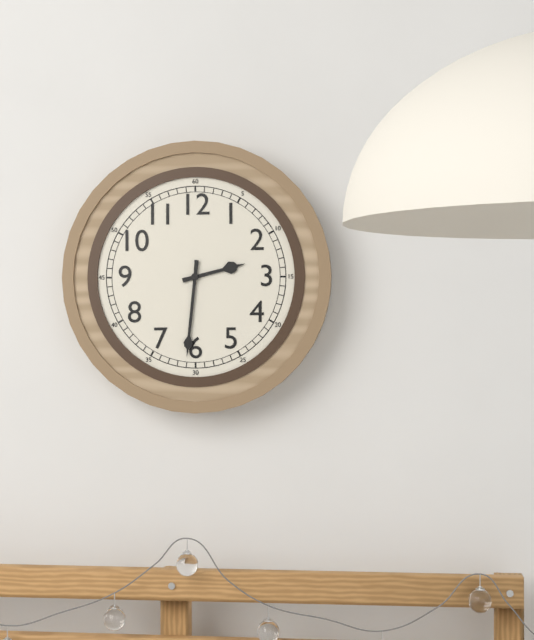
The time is 2,31
